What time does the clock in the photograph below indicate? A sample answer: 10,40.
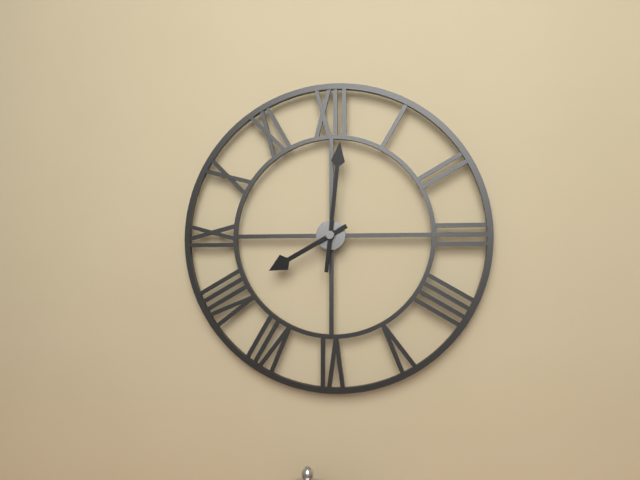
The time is 8,01
